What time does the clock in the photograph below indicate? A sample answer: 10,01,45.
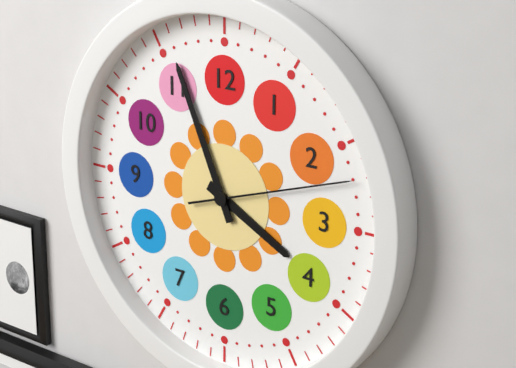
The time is 3,56,12
